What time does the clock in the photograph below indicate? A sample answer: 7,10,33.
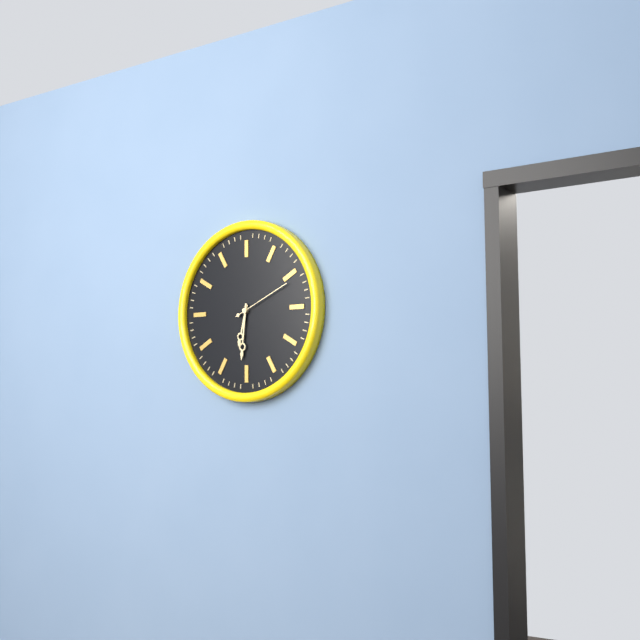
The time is 6,31,11
